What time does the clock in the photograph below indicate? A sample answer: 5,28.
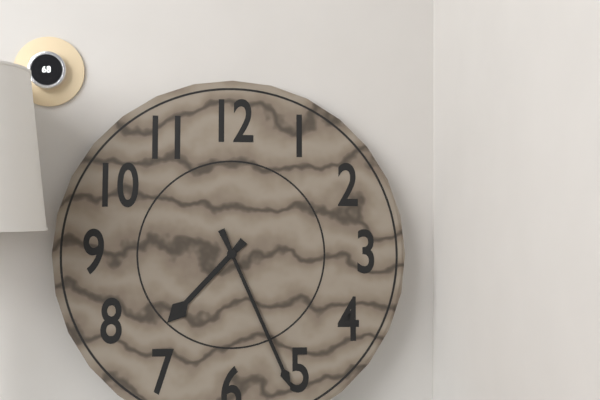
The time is 7,26
